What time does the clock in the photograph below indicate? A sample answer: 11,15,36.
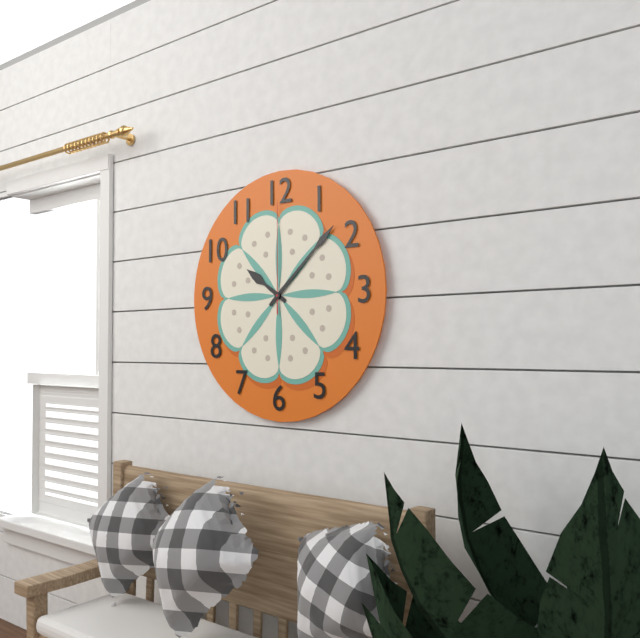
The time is 10,08,00
